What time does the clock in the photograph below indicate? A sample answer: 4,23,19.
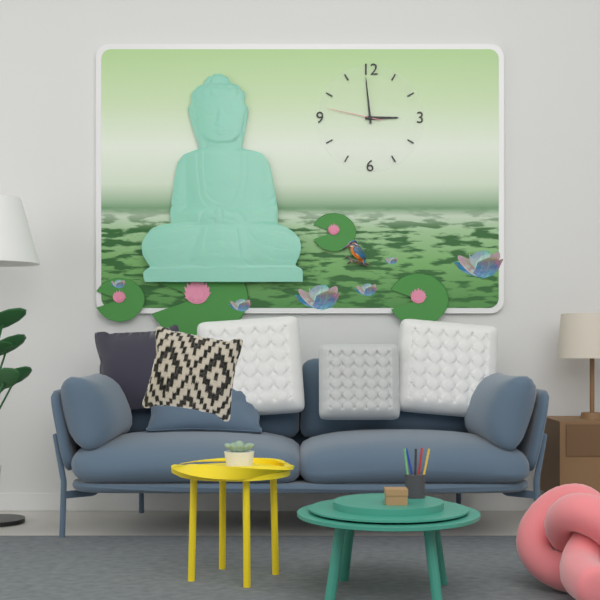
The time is 2,59,47
